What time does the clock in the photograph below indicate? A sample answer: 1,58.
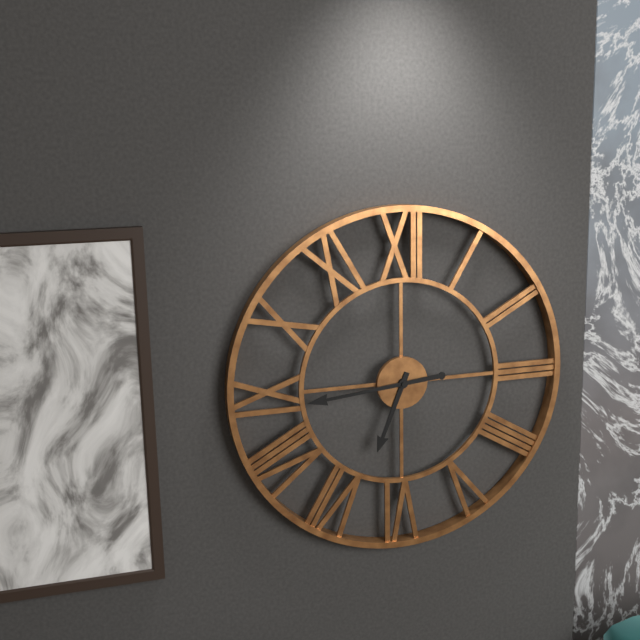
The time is 6,44
